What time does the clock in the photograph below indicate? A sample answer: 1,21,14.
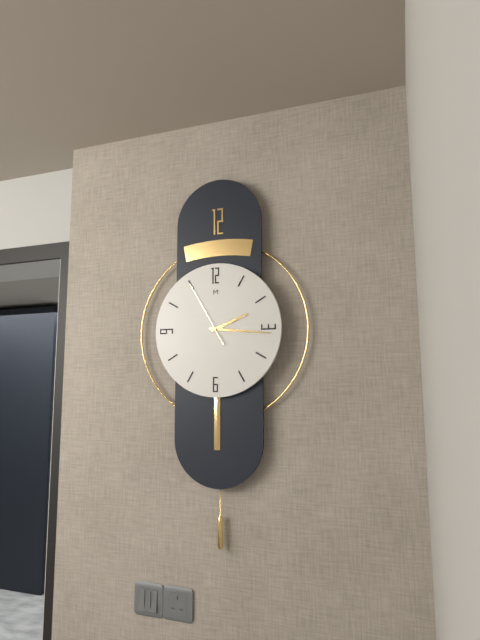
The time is 2,16,55
